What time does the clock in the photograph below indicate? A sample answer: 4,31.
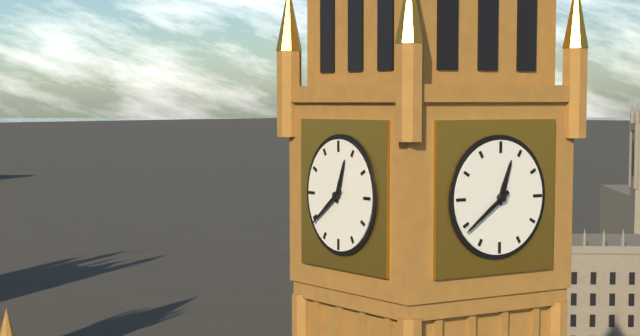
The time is 12,39
